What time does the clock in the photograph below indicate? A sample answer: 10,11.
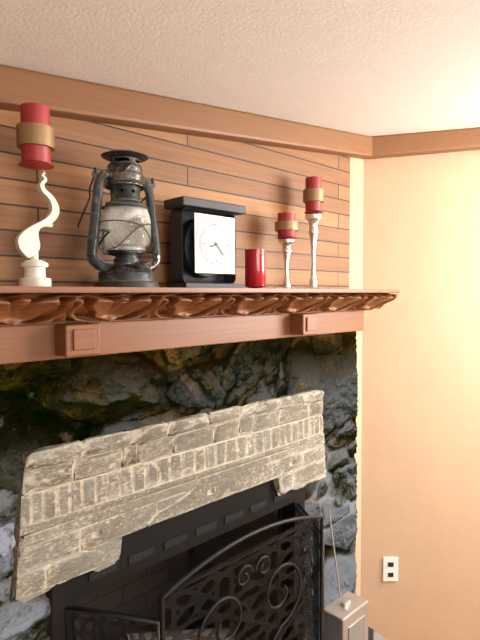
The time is 8,23
